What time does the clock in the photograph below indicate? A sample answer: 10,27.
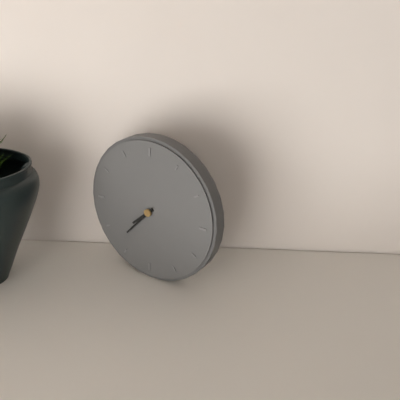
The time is 7,37
